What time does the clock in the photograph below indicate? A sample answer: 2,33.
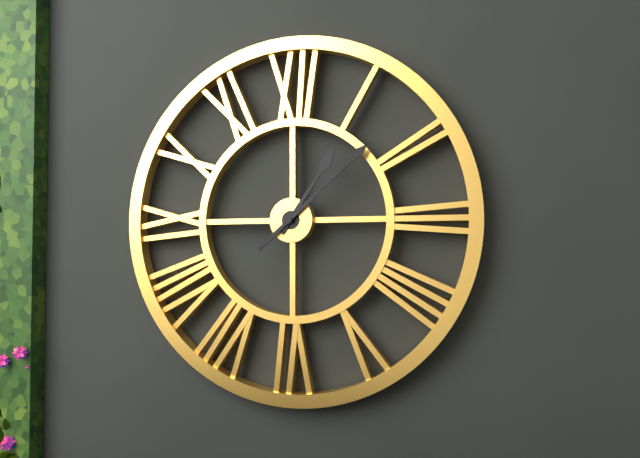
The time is 1,08
